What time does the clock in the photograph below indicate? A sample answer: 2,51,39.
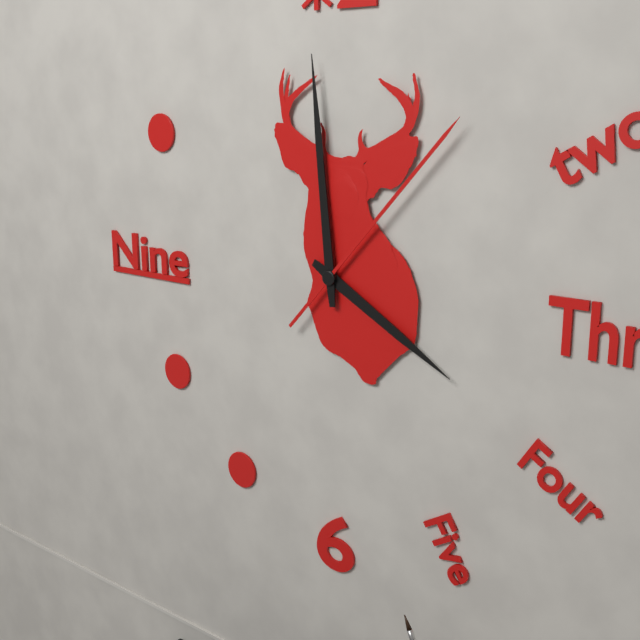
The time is 3,59,07
